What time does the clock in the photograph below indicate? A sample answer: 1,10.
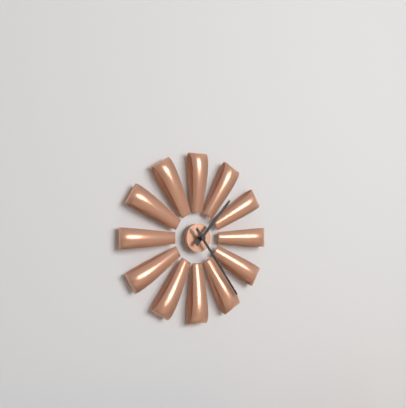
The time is 1,24
